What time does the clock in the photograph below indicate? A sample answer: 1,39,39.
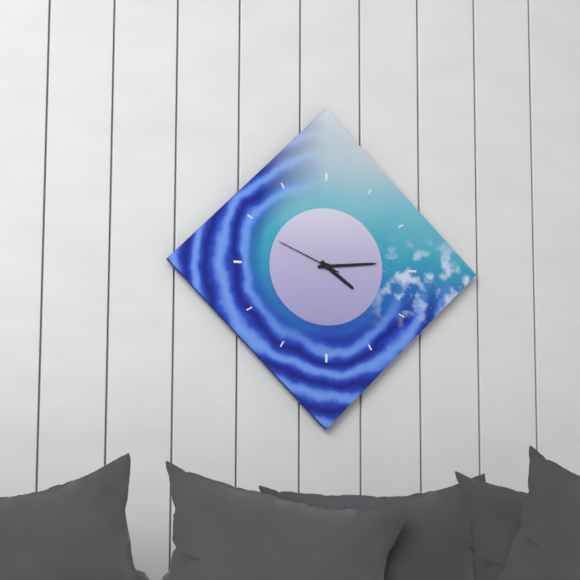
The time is 4,14,49
